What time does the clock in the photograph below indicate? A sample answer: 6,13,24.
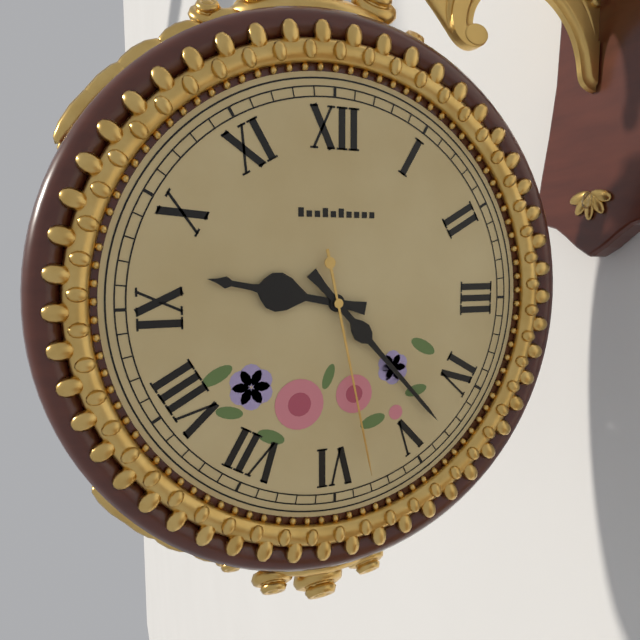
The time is 9,23,28
